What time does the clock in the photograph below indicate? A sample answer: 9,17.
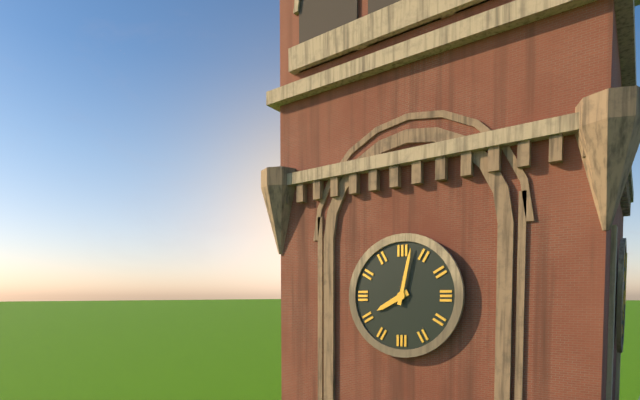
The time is 8,02
